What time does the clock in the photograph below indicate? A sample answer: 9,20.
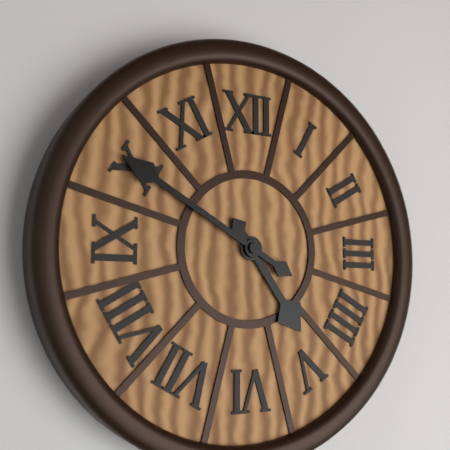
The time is 4,50
